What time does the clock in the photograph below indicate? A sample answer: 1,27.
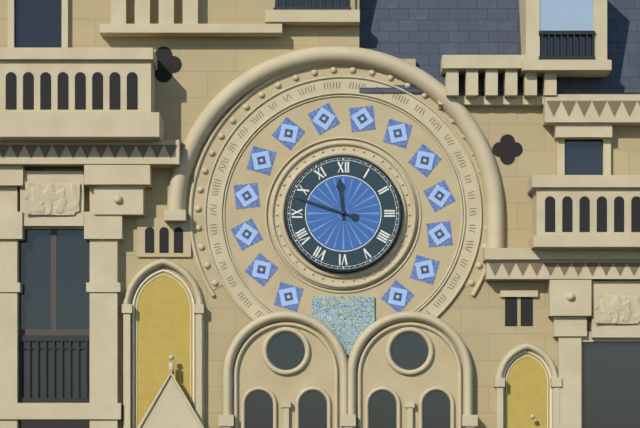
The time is 11,48
